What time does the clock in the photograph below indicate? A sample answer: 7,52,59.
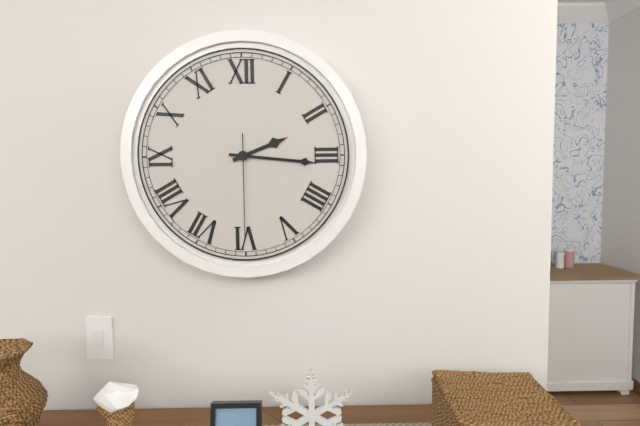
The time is 2,16,30
